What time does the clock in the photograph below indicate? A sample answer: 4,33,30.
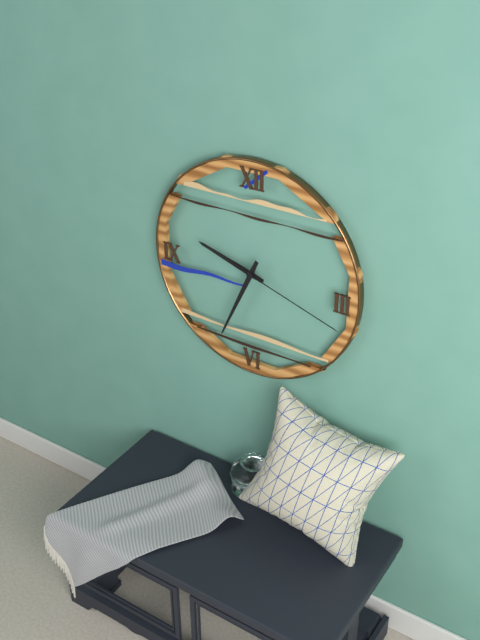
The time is 9,34,18
